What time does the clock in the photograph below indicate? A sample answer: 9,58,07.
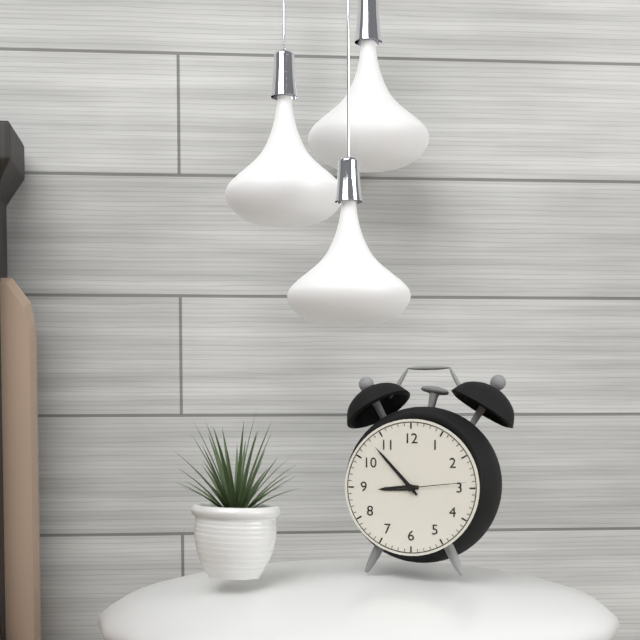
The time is 8,53,14
